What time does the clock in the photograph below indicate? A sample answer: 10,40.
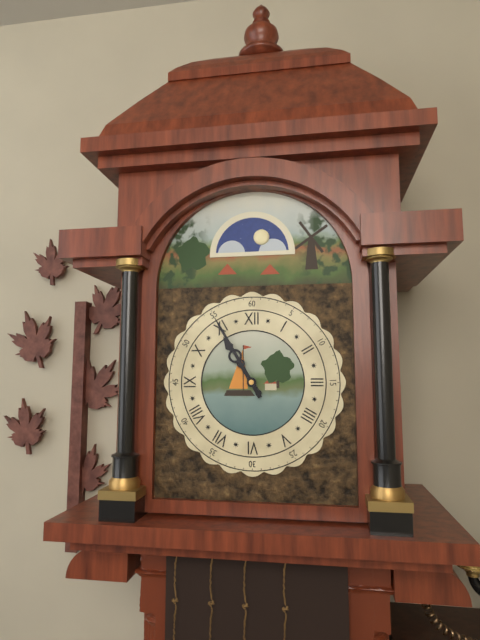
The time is 10,55
